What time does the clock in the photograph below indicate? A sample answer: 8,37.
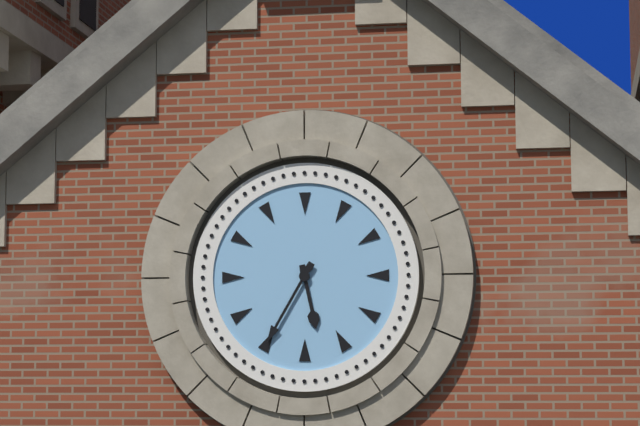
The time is 5,35
